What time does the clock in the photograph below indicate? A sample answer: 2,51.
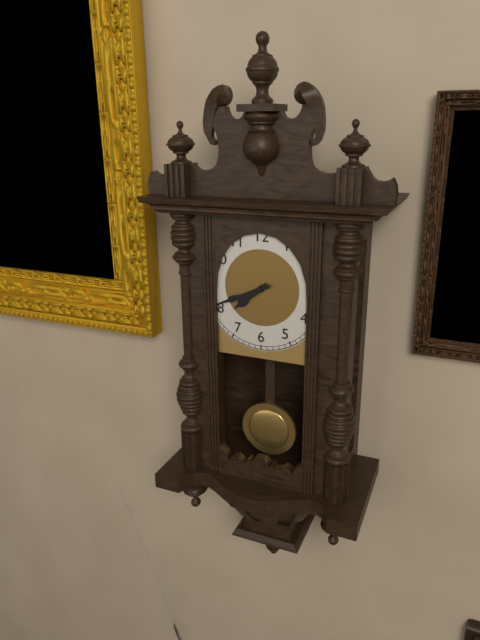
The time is 7,41
